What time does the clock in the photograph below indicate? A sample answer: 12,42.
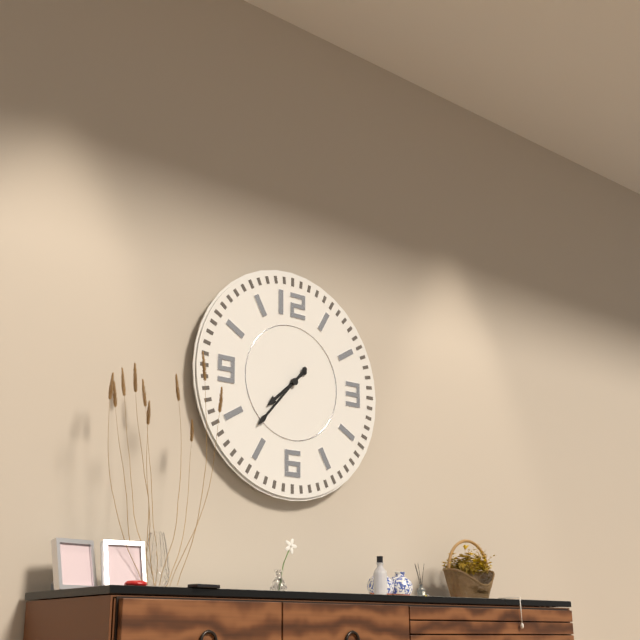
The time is 7,37
